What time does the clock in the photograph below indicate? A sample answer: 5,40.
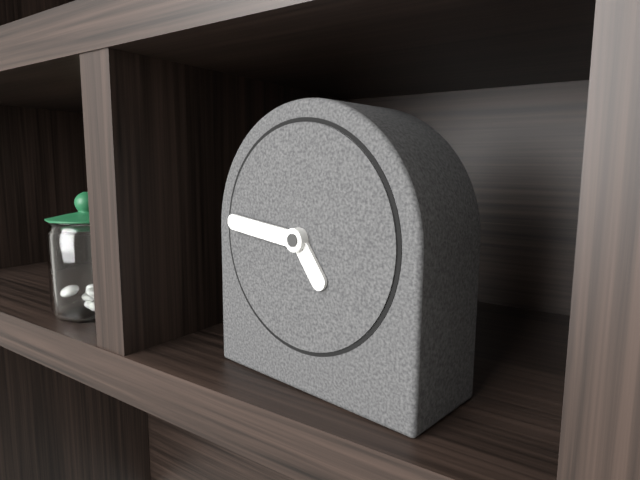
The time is 4,46
